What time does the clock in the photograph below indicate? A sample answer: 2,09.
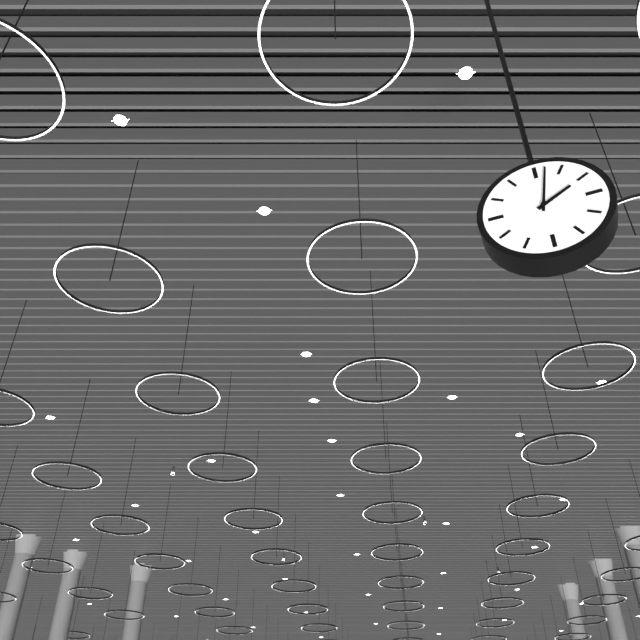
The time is 2,02
